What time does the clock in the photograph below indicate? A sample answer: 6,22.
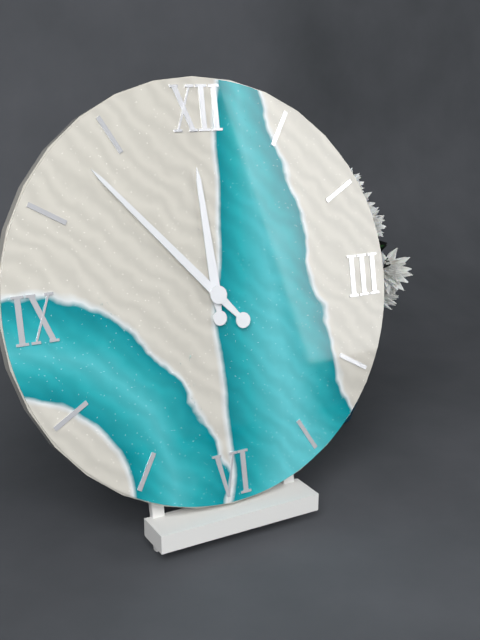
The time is 11,53
